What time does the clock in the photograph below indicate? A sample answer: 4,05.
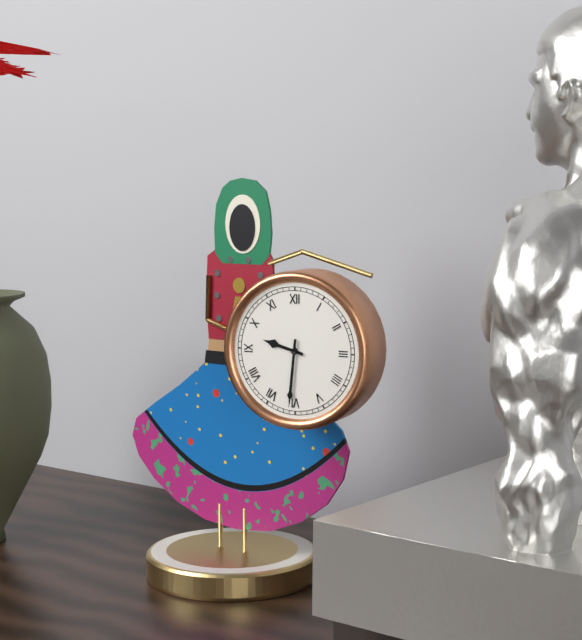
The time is 9,31
